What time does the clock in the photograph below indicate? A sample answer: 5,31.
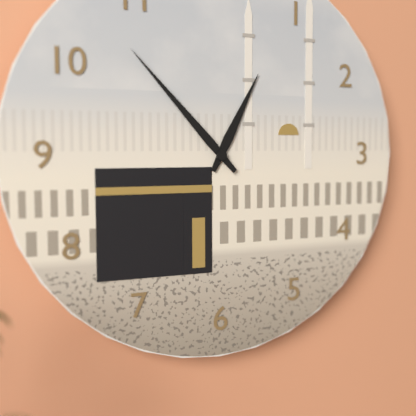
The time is 12,53
